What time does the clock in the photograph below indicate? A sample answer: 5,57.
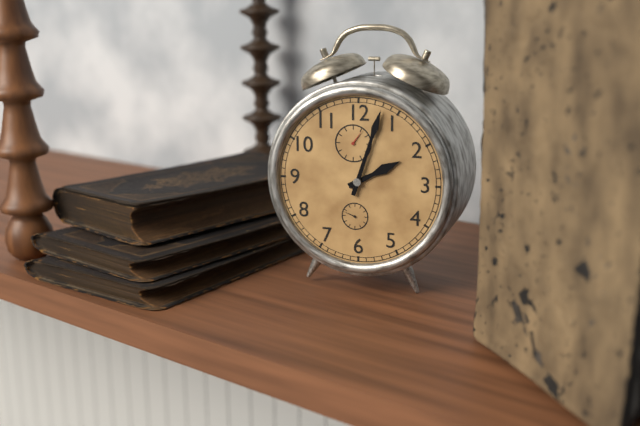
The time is 2,03
